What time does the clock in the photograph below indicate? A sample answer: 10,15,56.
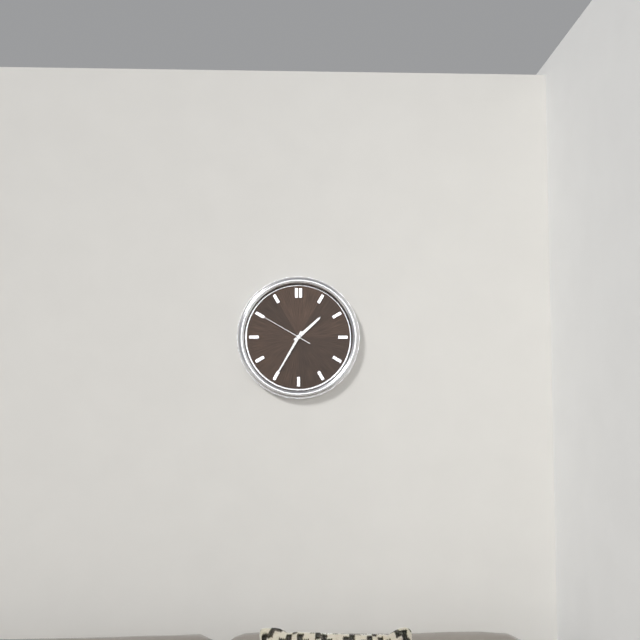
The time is 1,35,50
